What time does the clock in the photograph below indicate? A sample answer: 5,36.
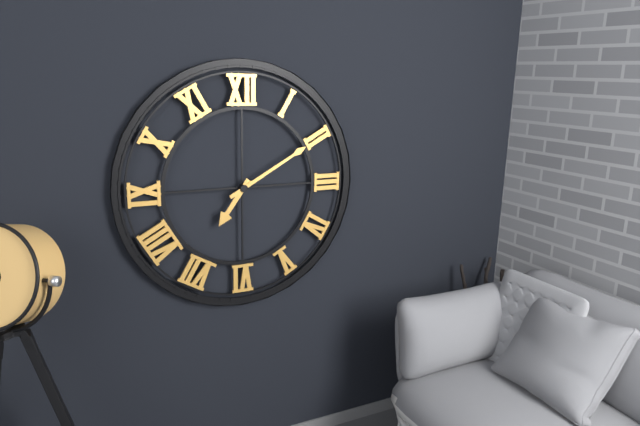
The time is 7,10
